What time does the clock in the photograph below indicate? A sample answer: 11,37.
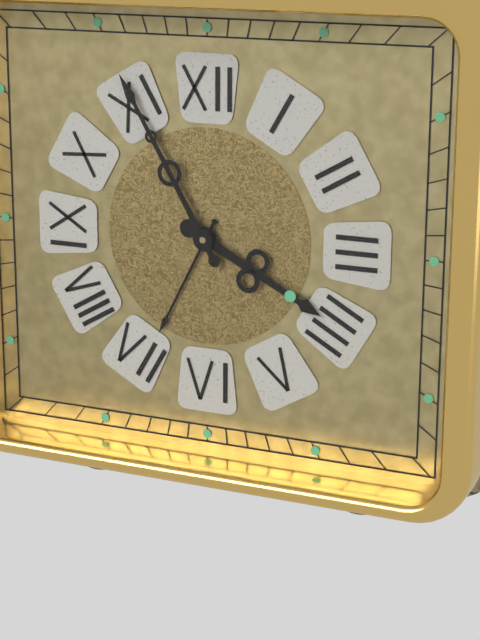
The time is 3,55
